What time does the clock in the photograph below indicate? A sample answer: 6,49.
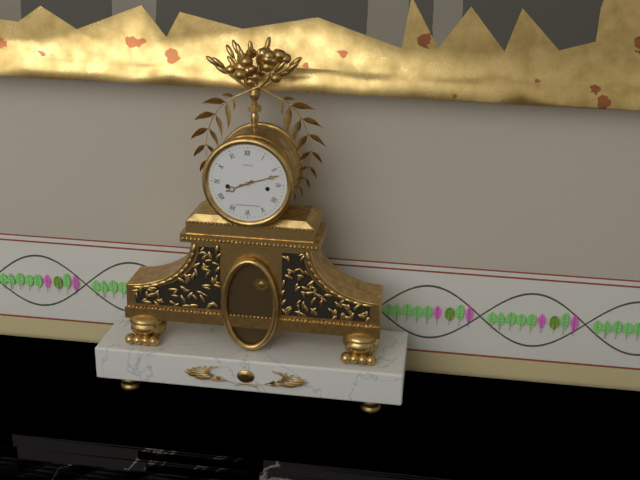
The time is 8,12
